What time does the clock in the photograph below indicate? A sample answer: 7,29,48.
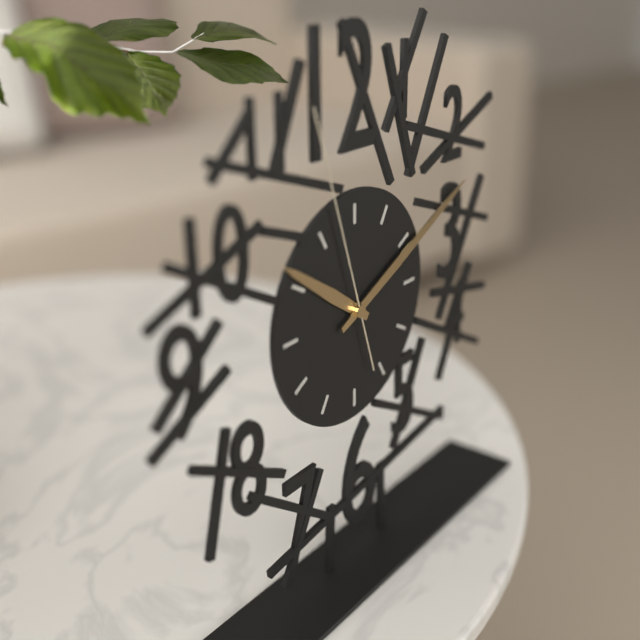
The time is 10,11,57
